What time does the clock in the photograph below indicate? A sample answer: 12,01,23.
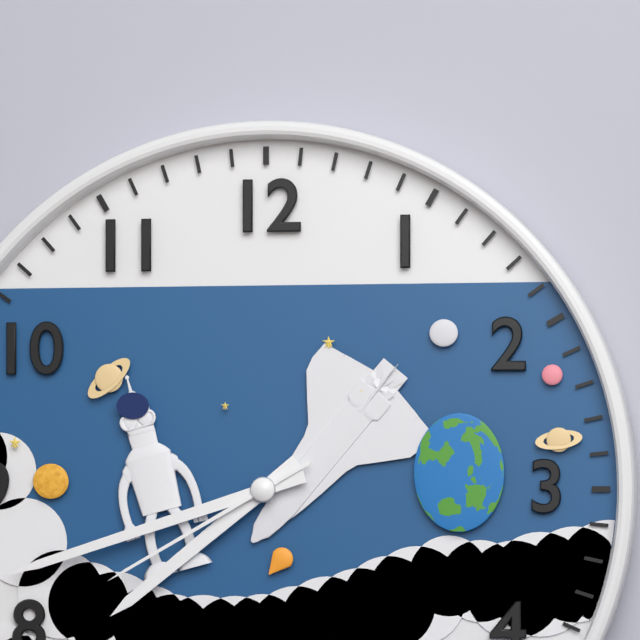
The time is 7,42,40
